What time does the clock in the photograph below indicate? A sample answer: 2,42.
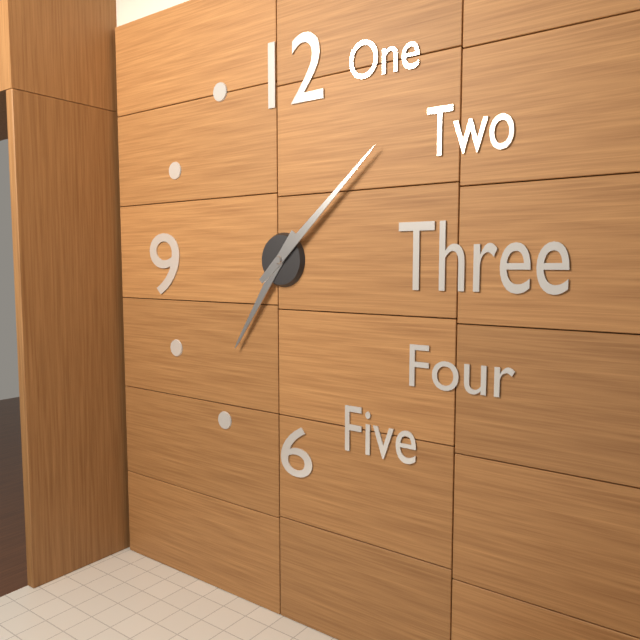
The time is 7,08
